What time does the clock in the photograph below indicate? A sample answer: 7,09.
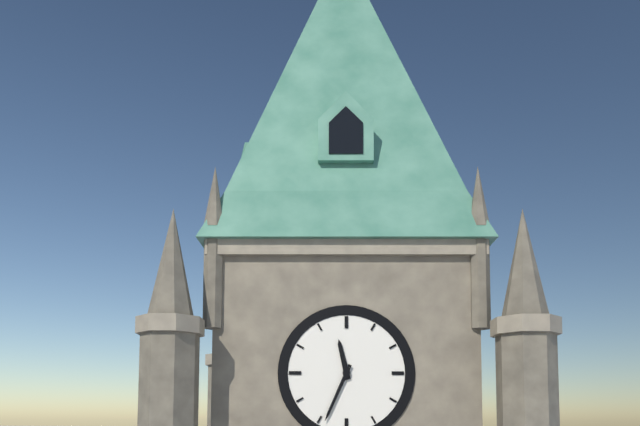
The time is 11,34
